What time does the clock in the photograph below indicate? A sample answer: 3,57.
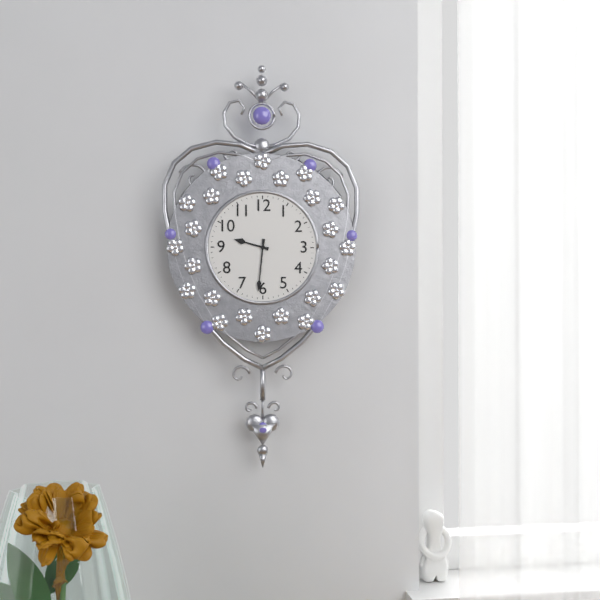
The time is 9,31
